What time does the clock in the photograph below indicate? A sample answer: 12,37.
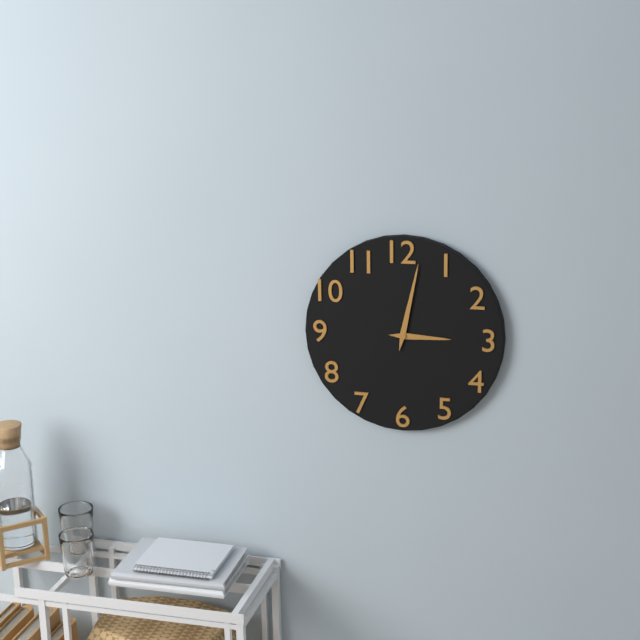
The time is 3,02
